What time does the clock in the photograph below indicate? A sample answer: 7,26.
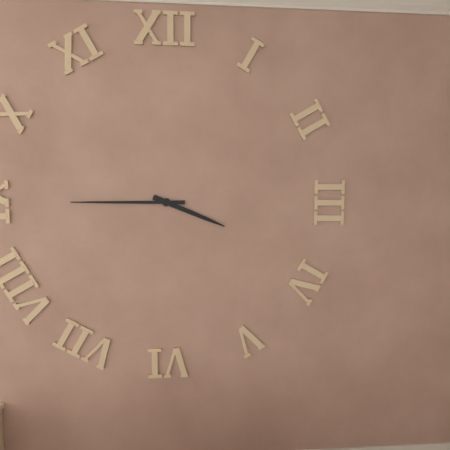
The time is 3,45
